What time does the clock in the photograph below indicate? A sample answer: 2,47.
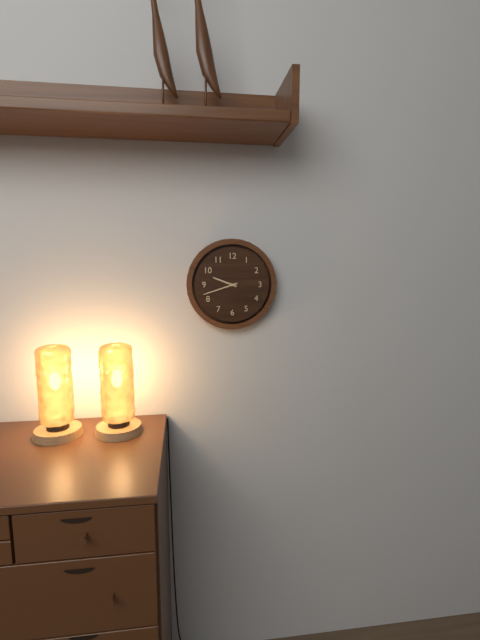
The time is 9,42
